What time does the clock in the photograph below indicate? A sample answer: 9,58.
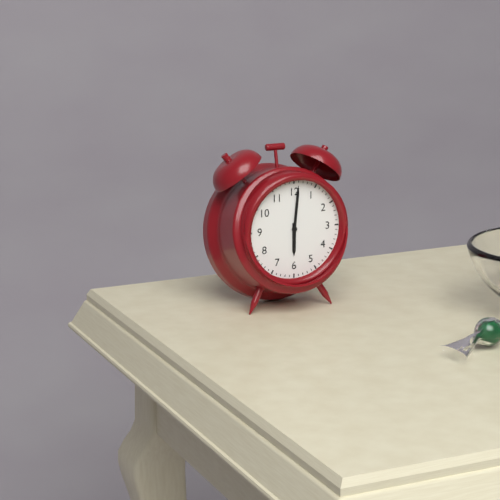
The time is 6,01
